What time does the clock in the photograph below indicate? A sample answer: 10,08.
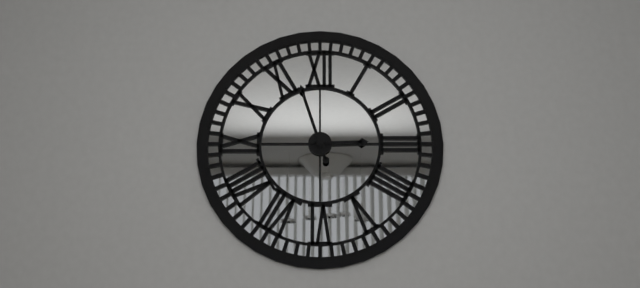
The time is 2,57
